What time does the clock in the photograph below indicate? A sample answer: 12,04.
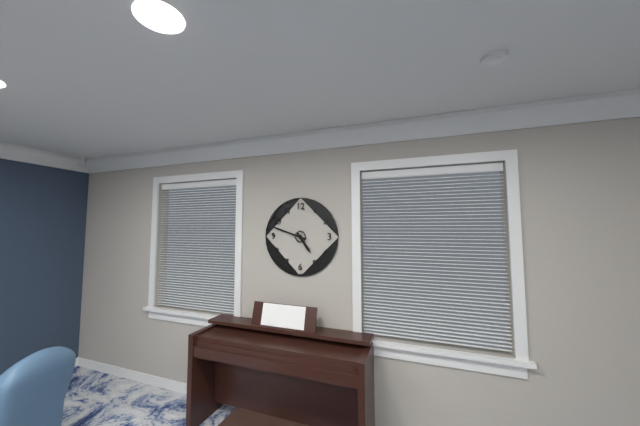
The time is 4,48
